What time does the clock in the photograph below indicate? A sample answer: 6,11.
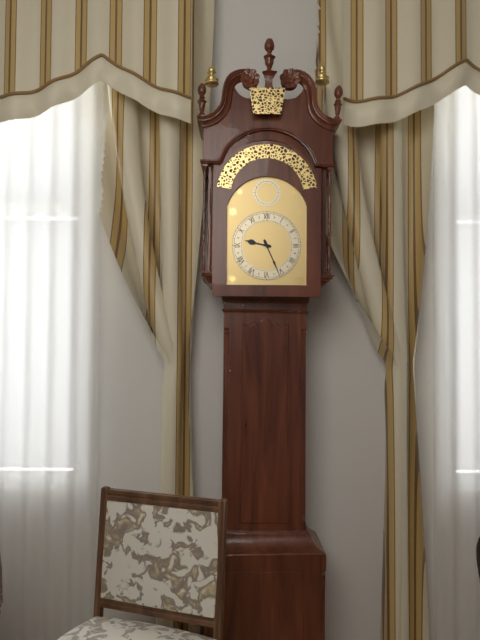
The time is 9,26
